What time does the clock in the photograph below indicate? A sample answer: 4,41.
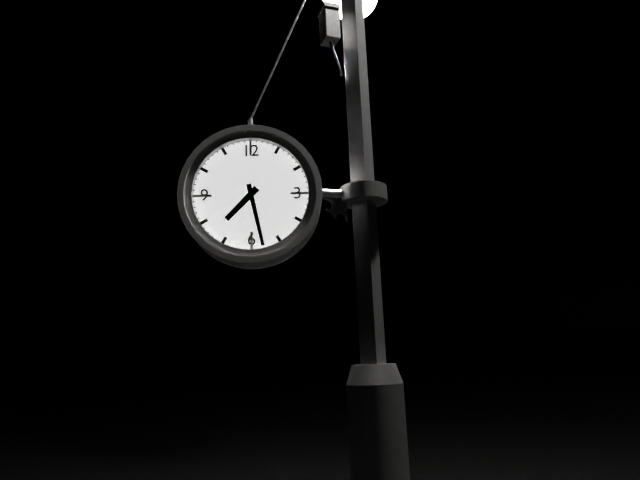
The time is 7,28
